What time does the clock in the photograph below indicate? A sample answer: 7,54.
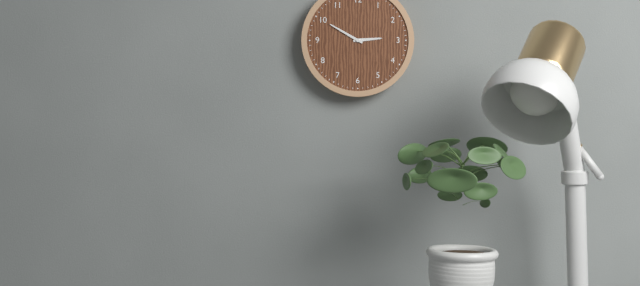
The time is 2,50
